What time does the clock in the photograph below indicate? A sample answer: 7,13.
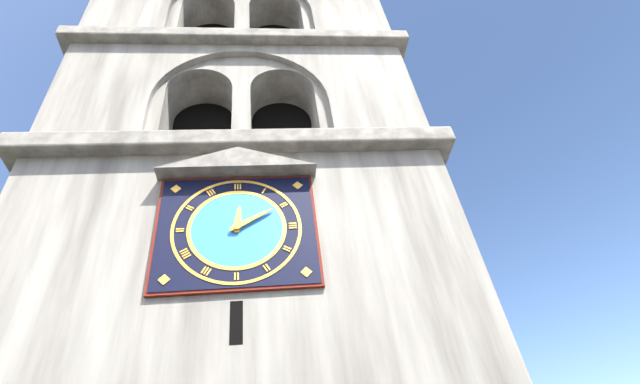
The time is 12,10
